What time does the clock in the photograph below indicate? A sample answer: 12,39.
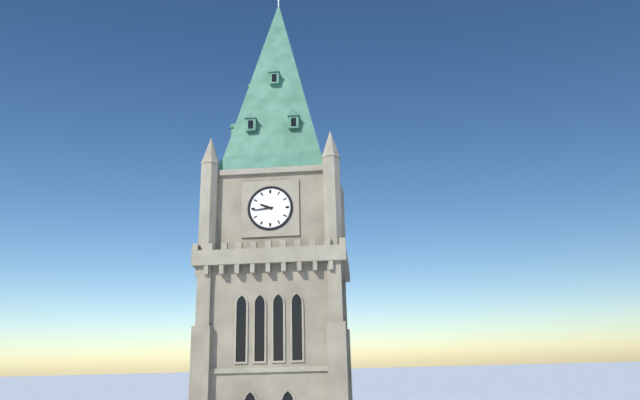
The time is 9,44
